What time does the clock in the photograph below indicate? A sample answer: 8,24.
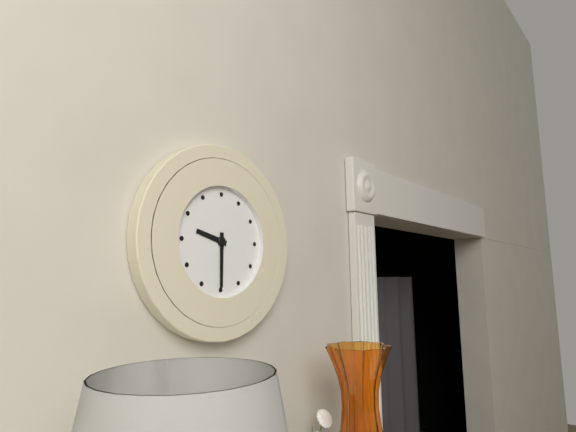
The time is 9,30
